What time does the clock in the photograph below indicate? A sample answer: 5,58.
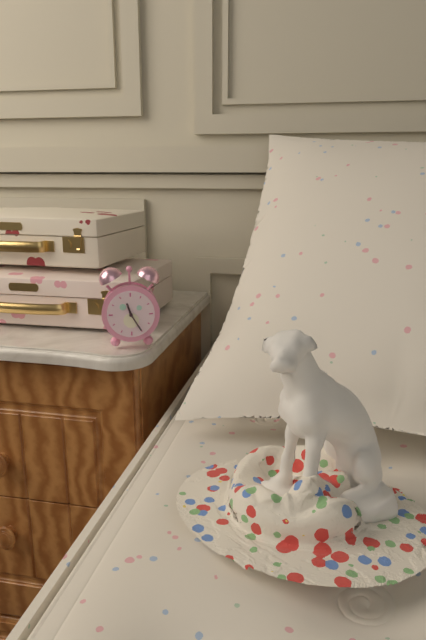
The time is 11,25
